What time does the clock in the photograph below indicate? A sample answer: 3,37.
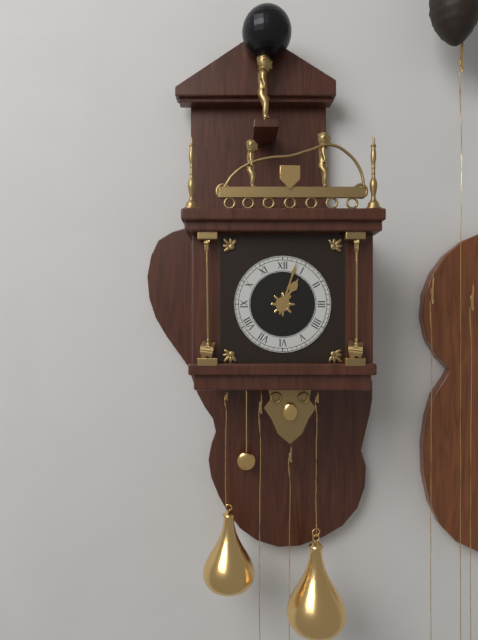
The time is 1,03
